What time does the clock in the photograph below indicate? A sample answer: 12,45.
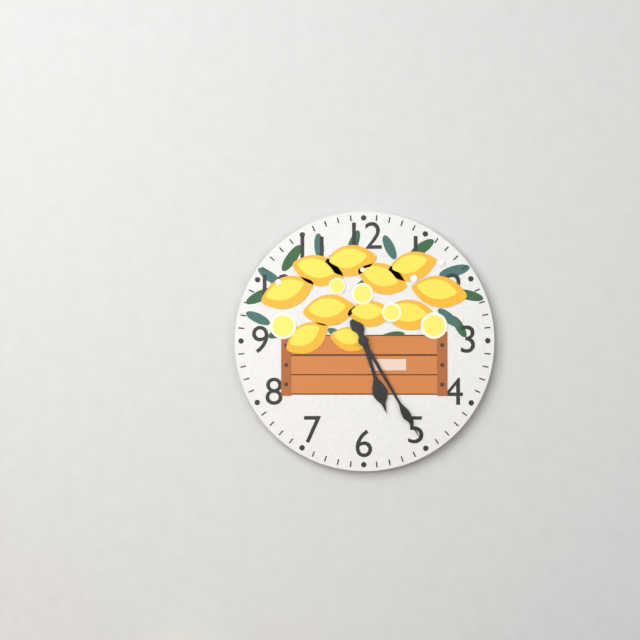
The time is 5,25
